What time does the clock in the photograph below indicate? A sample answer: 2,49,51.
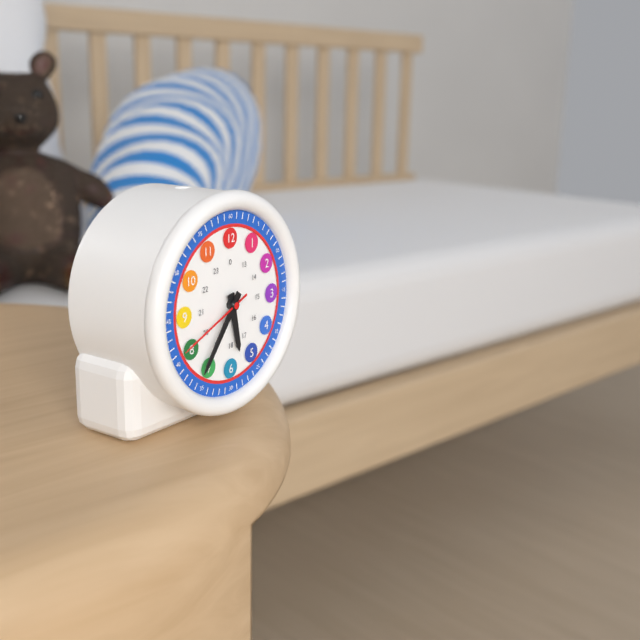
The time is 5,36,41
